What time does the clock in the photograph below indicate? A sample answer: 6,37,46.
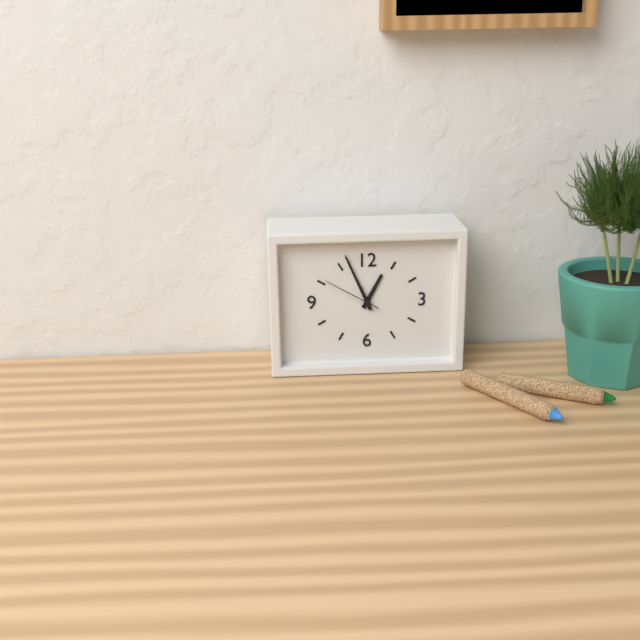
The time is 12,56,50
